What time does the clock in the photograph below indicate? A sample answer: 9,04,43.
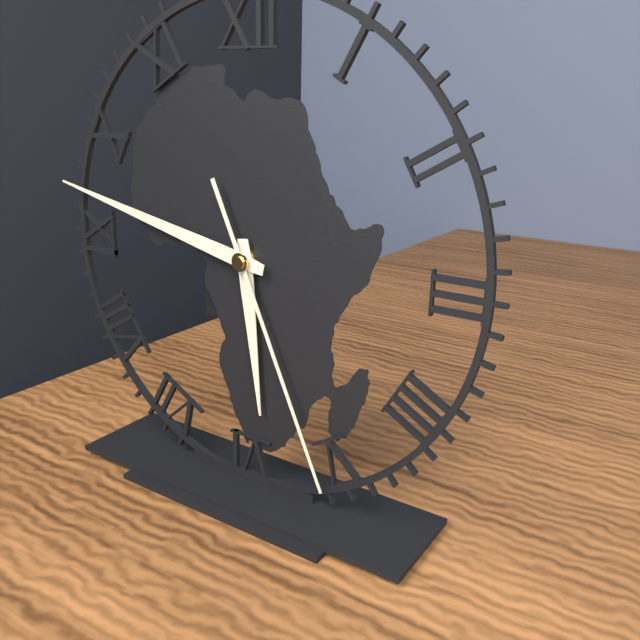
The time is 5,47,26
